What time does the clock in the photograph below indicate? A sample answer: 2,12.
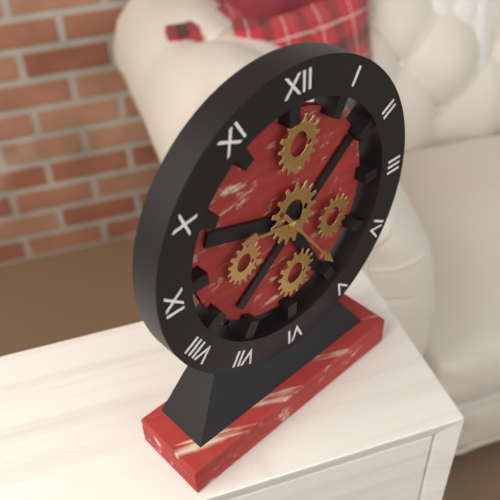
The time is 9,24
